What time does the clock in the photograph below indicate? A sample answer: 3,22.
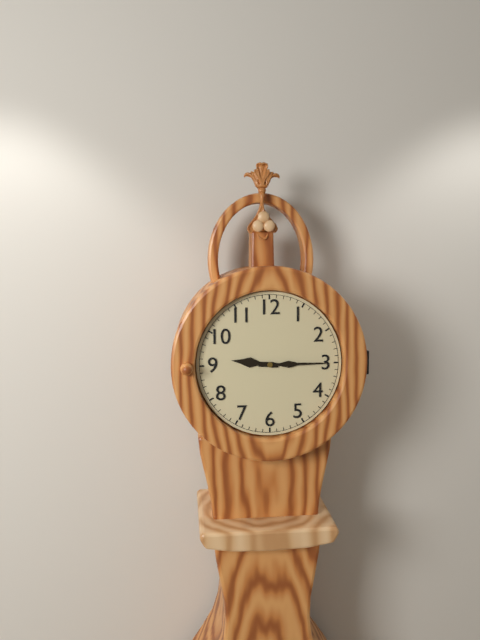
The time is 9,15
